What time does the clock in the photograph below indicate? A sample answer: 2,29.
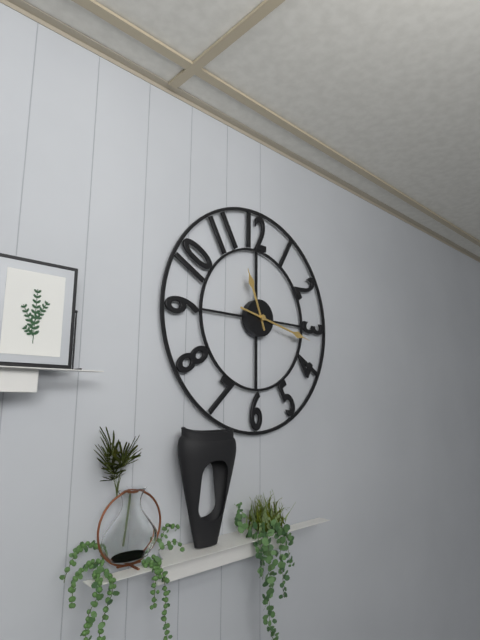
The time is 11,17
